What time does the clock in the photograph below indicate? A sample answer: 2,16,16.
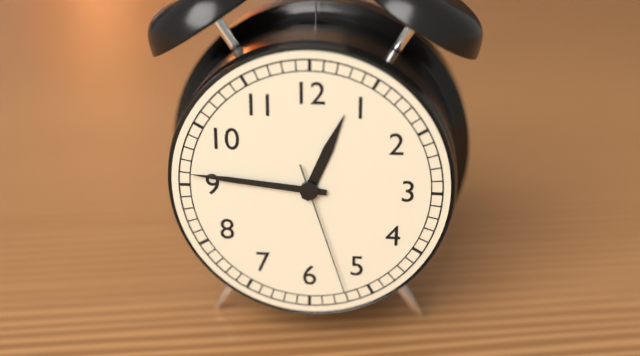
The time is 12,46,27
